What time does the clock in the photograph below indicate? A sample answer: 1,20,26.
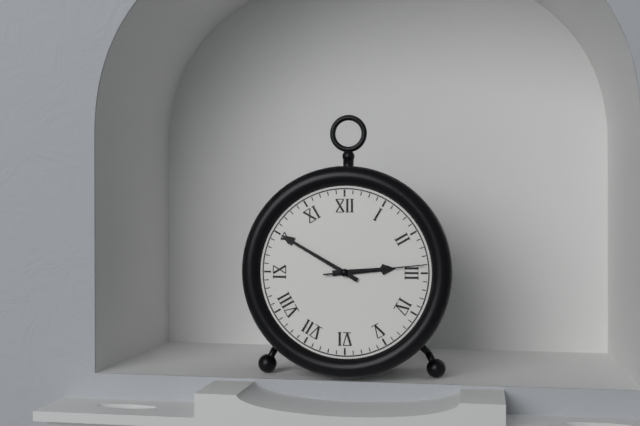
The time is 2,50,14
